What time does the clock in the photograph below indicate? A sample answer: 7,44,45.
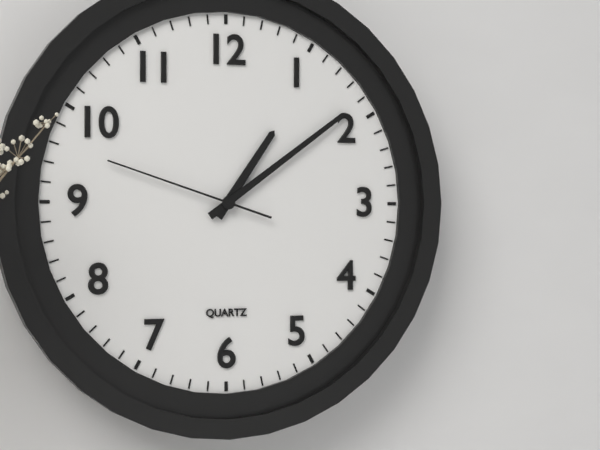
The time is 1,09,48
